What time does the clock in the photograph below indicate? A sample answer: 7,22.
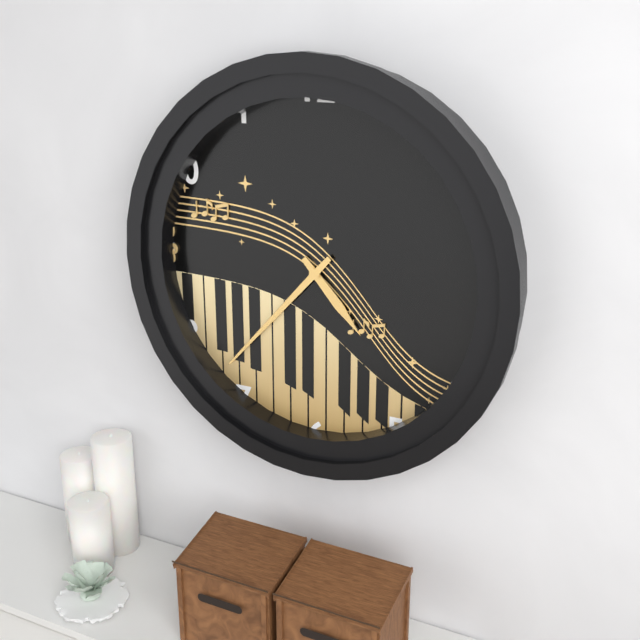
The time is 4,37
